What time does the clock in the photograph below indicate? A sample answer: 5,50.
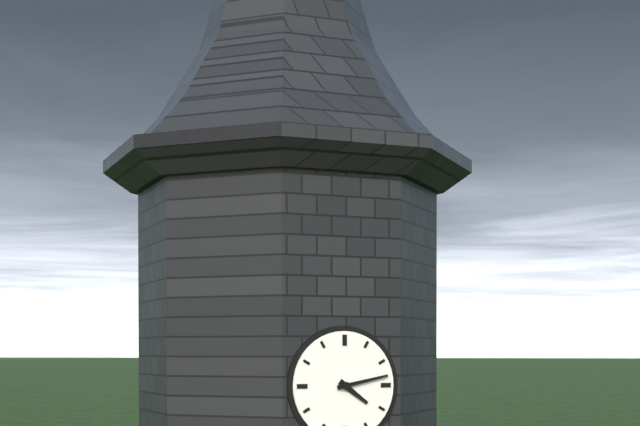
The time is 4,13
